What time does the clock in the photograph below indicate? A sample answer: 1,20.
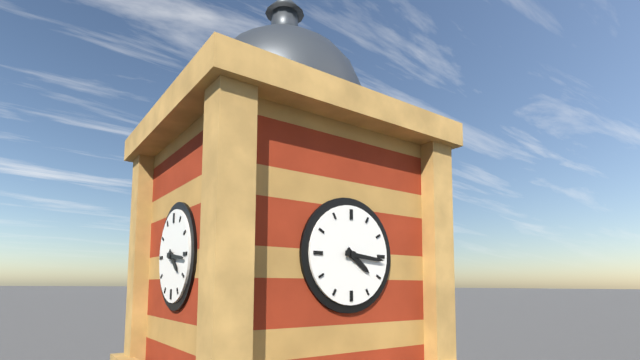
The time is 4,16
